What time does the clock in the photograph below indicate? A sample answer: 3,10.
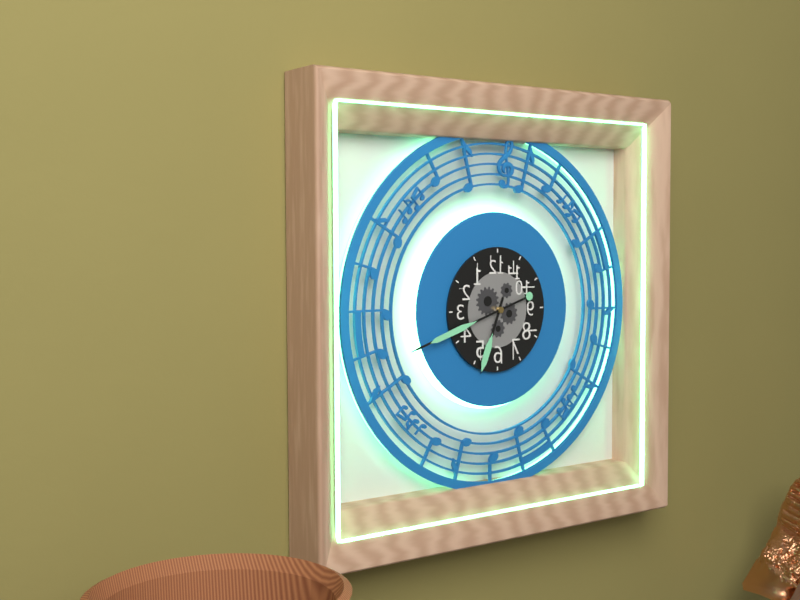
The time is 6,42
